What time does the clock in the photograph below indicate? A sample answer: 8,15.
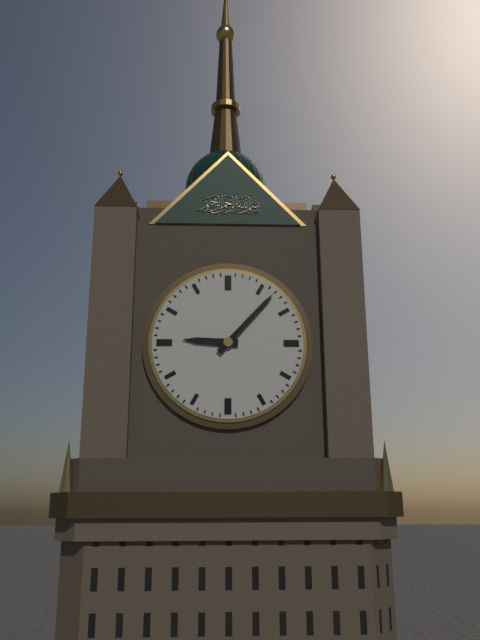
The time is 9,07
